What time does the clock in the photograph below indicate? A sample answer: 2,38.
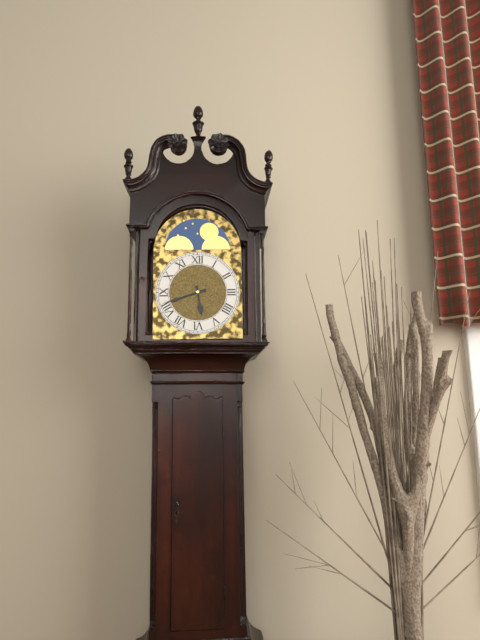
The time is 5,42
